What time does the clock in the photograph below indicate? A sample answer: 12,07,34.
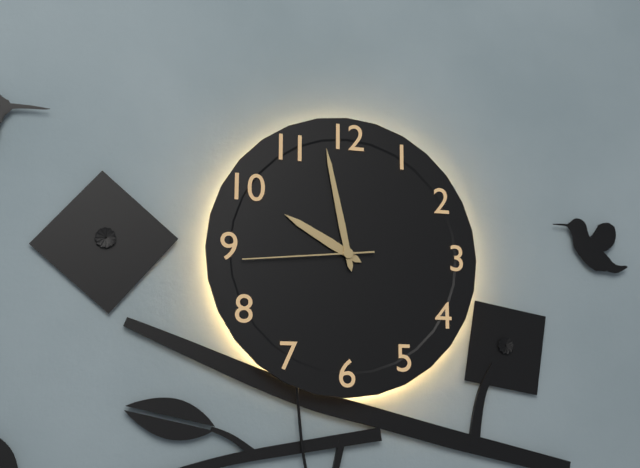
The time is 9,58,44
